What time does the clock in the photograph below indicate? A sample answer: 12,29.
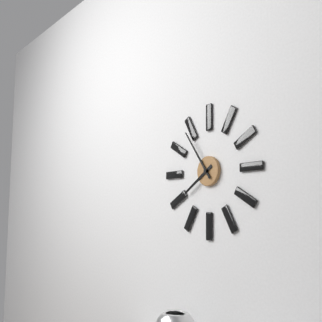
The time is 7,54
